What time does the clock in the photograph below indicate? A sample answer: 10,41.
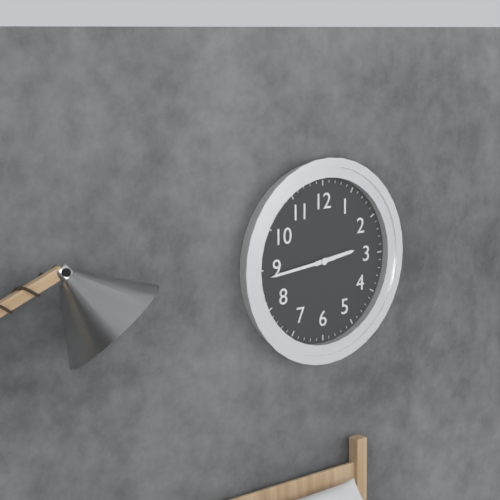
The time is 2,44
